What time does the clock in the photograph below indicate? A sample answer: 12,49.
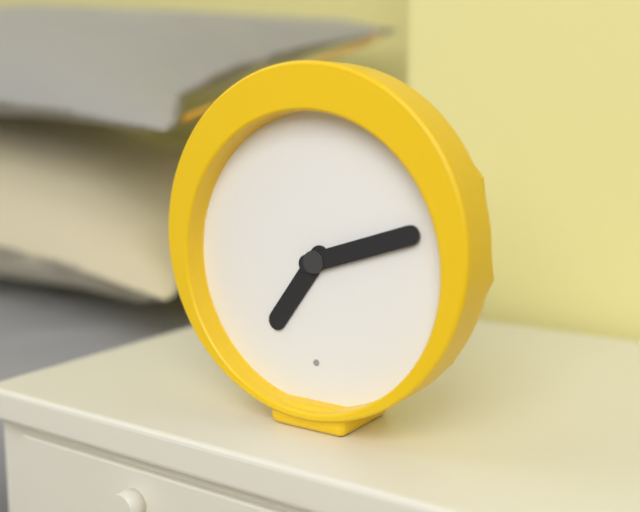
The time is 7,12
